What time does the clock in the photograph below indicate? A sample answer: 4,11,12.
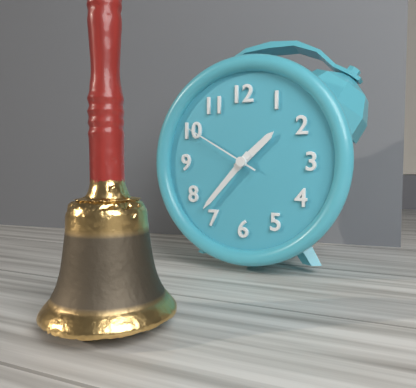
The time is 1,37,50
